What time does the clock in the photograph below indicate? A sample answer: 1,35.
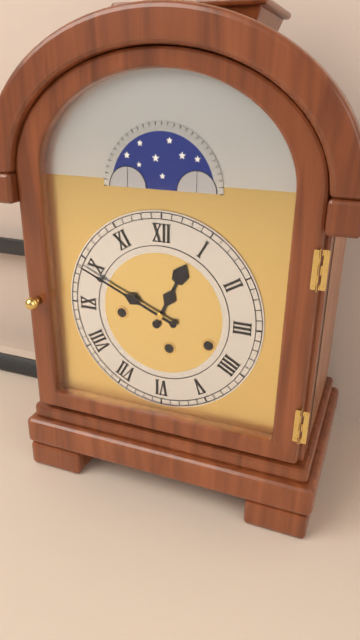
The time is 12,49
